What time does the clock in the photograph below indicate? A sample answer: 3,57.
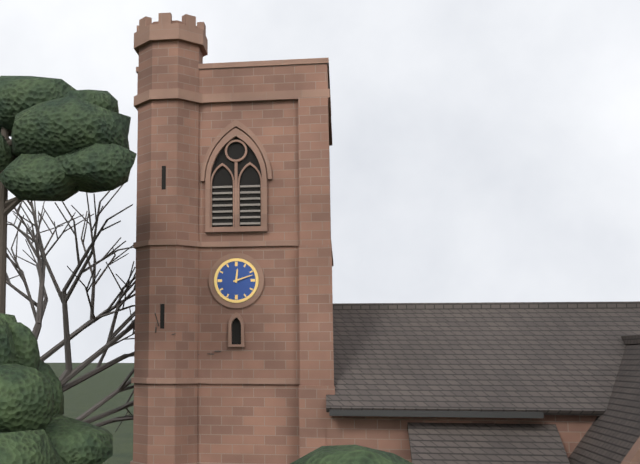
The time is 12,12
